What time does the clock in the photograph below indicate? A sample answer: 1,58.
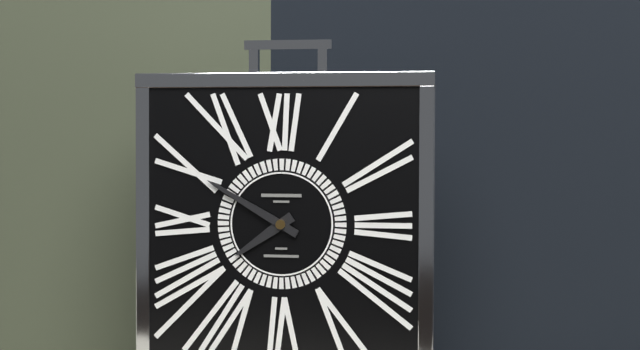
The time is 7,50
